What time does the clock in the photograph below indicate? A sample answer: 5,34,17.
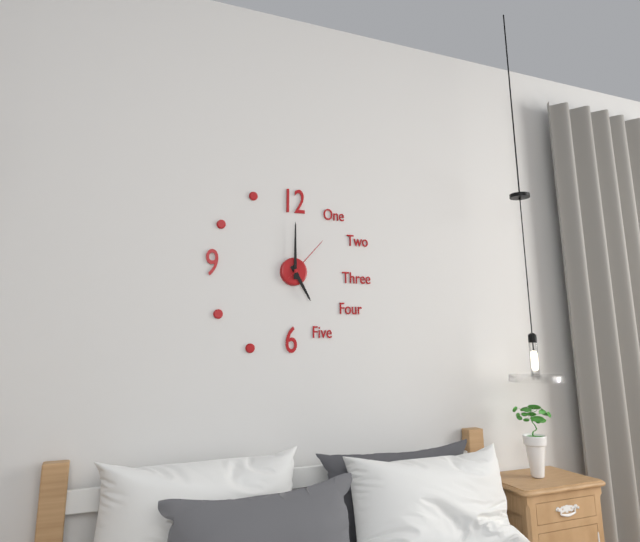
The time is 5,00,07
